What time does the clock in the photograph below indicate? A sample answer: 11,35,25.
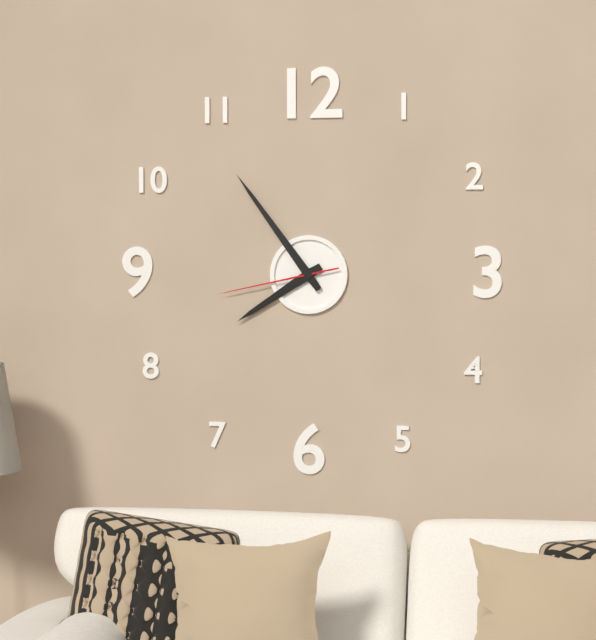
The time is 7,54,43
